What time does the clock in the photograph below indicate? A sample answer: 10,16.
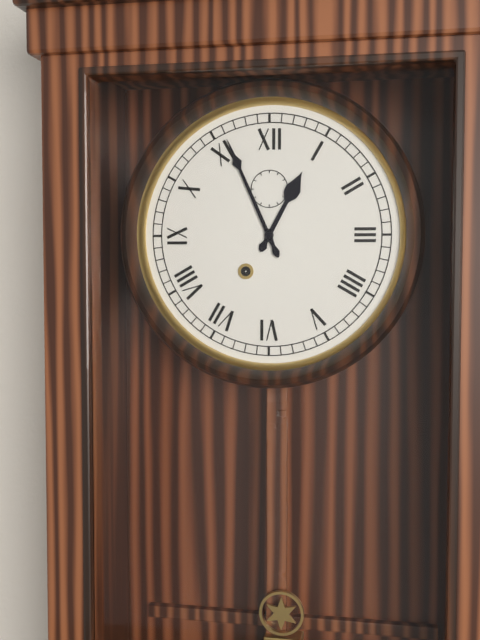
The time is 12,56
